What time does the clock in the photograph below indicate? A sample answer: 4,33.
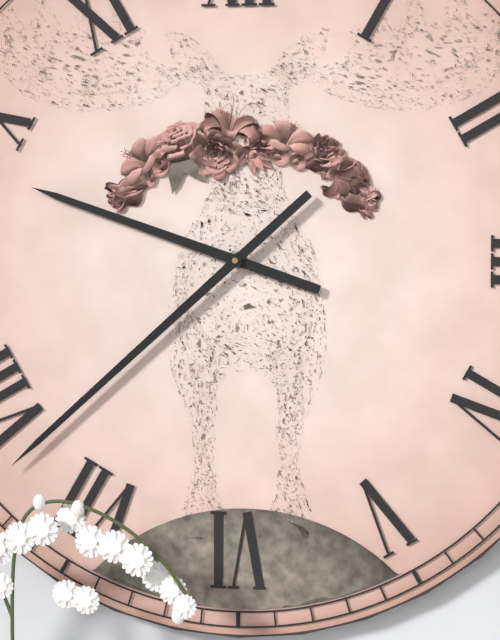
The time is 9,38
